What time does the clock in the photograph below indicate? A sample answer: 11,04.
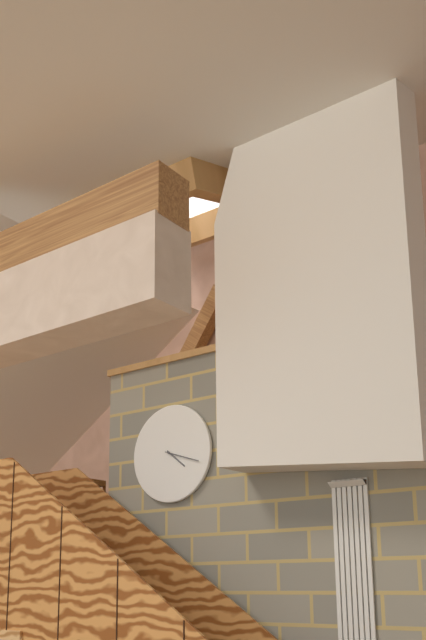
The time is 4,18
